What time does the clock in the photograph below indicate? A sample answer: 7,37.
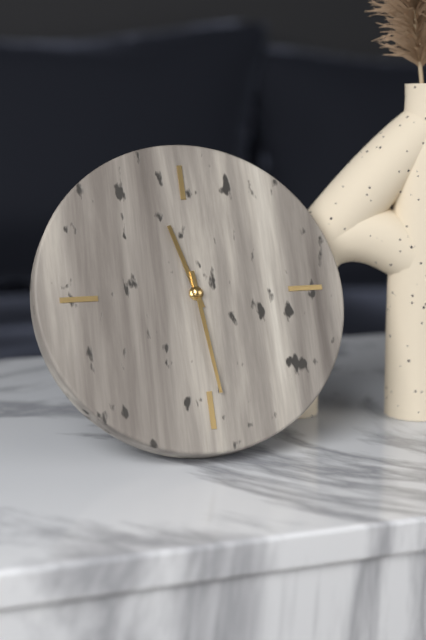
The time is 11,29
